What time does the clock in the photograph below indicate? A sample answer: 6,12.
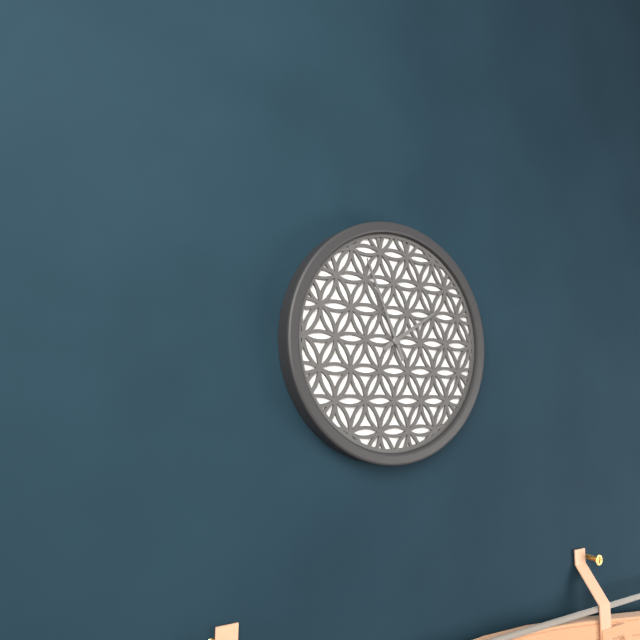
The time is 1,56
